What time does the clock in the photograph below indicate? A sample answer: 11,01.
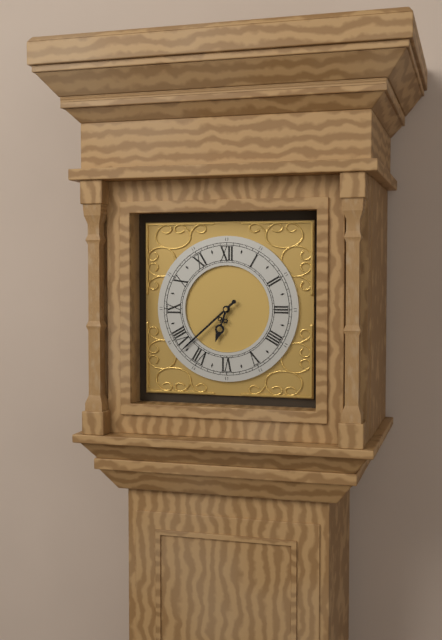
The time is 6,38
